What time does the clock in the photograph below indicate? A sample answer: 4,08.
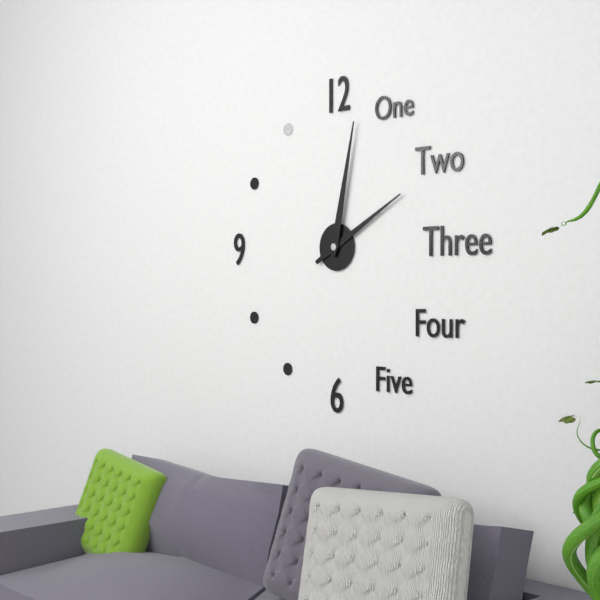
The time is 2,02
